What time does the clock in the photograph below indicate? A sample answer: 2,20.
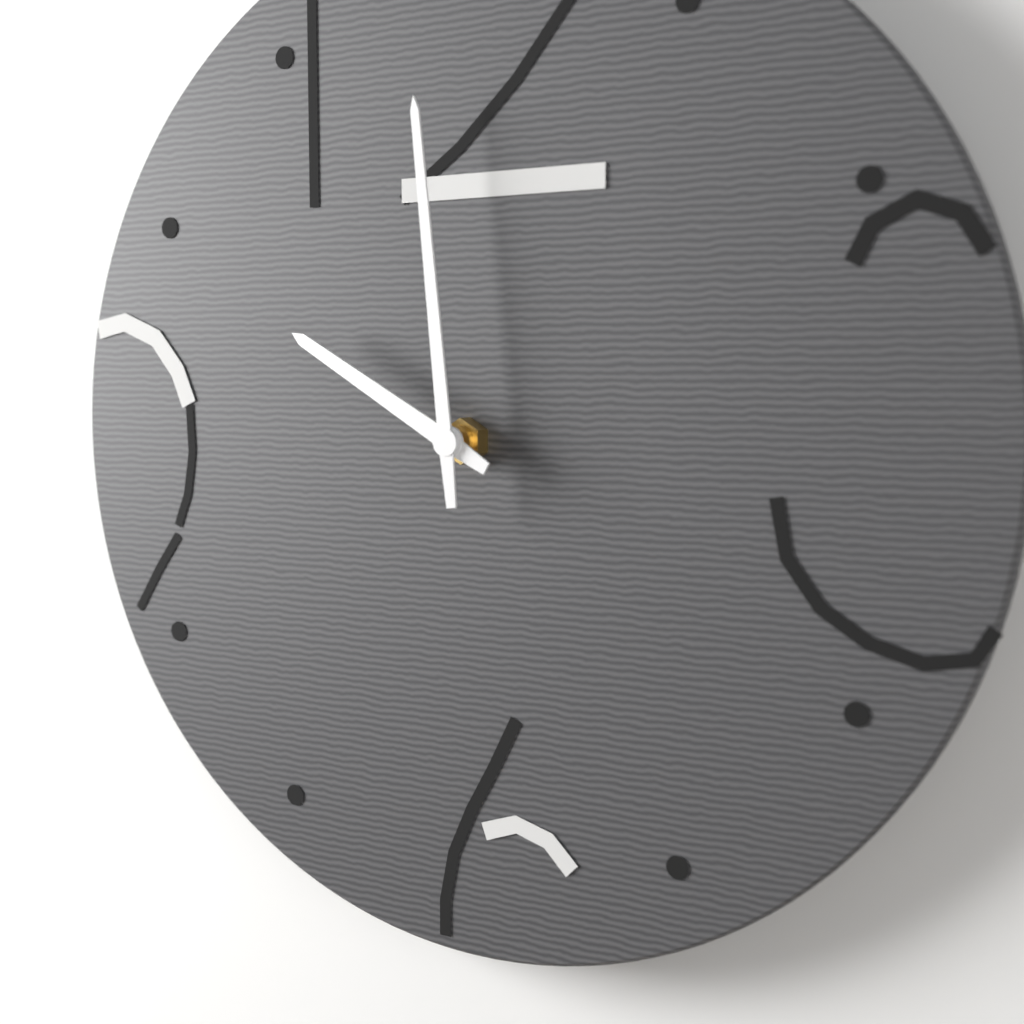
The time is 9,59
